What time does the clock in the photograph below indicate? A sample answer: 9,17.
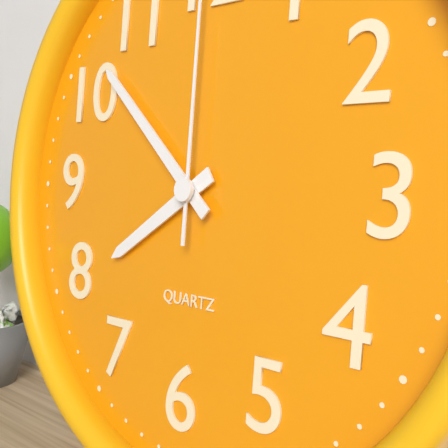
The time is 7,52
